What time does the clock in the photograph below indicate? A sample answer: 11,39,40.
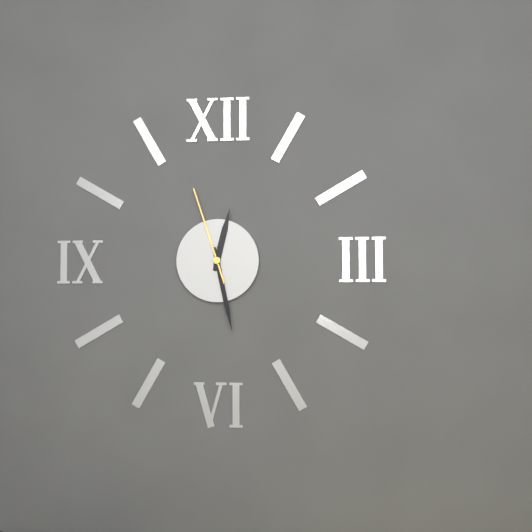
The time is 12,28,57
